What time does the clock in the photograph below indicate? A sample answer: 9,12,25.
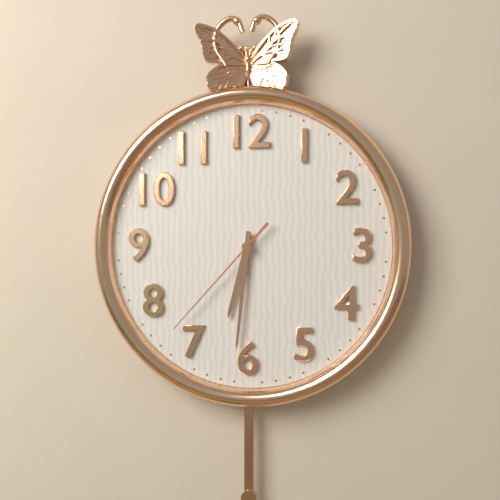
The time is 6,31,37
